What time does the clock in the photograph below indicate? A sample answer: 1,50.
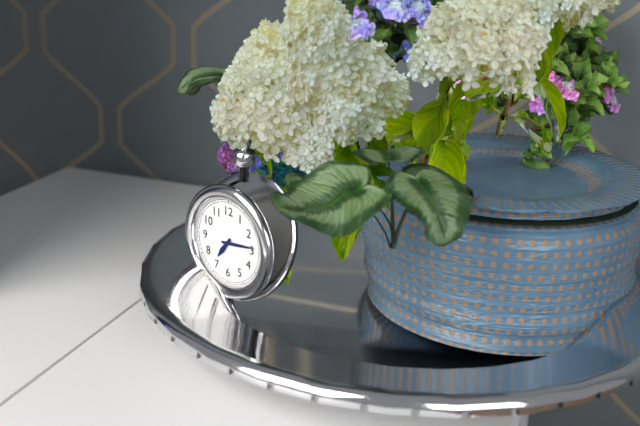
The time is 7,14
